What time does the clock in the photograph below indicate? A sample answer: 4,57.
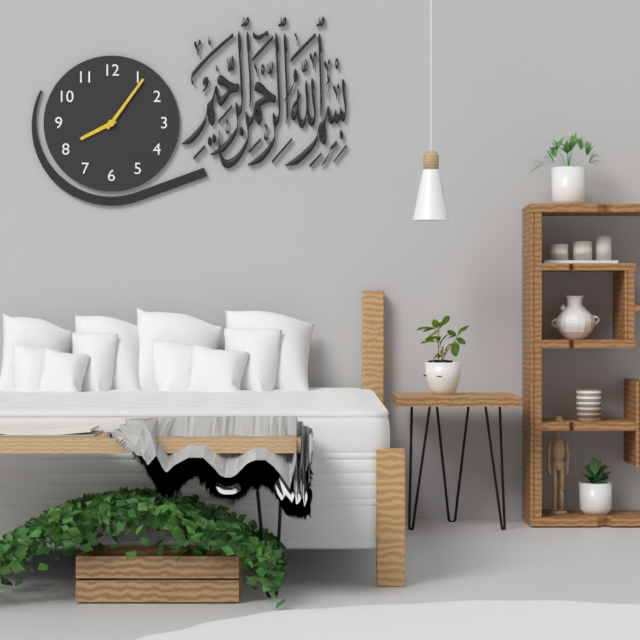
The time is 8,06
